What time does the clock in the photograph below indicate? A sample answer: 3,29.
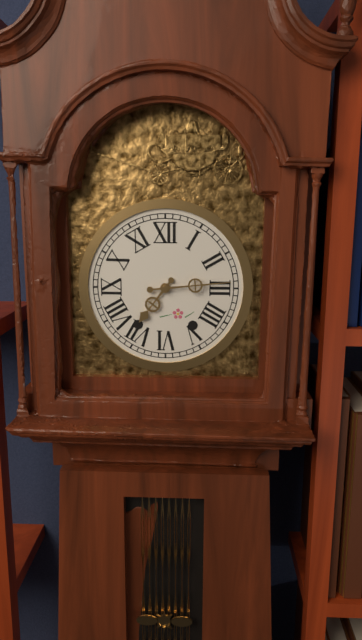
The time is 7,14
